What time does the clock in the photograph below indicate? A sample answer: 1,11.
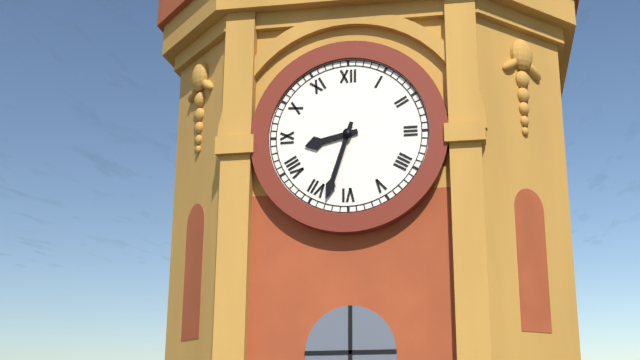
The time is 8,33
